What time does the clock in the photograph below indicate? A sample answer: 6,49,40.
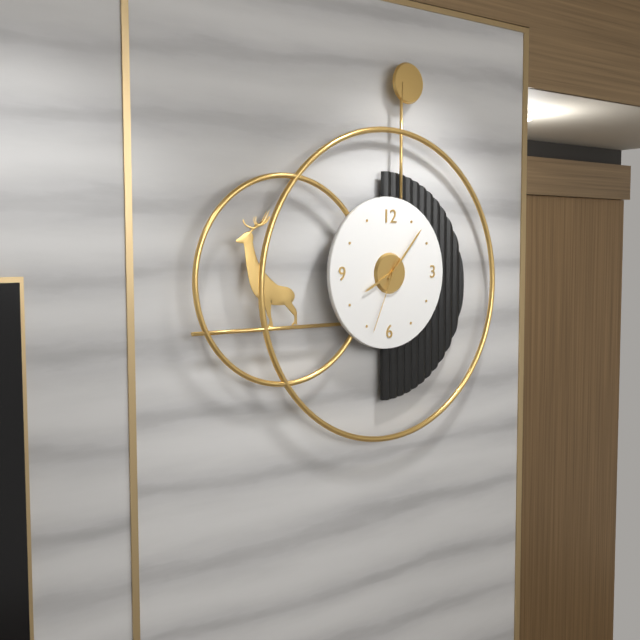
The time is 8,07,34
